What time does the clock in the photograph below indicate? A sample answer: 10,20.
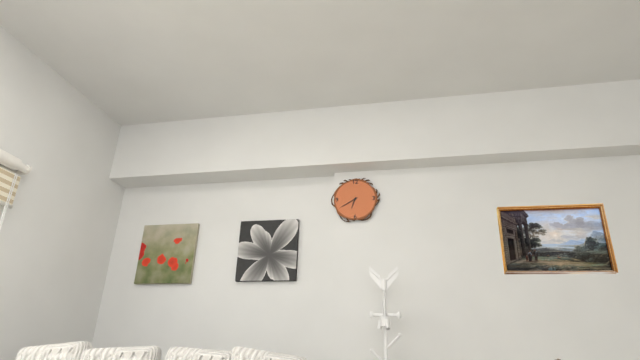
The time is 6,40
